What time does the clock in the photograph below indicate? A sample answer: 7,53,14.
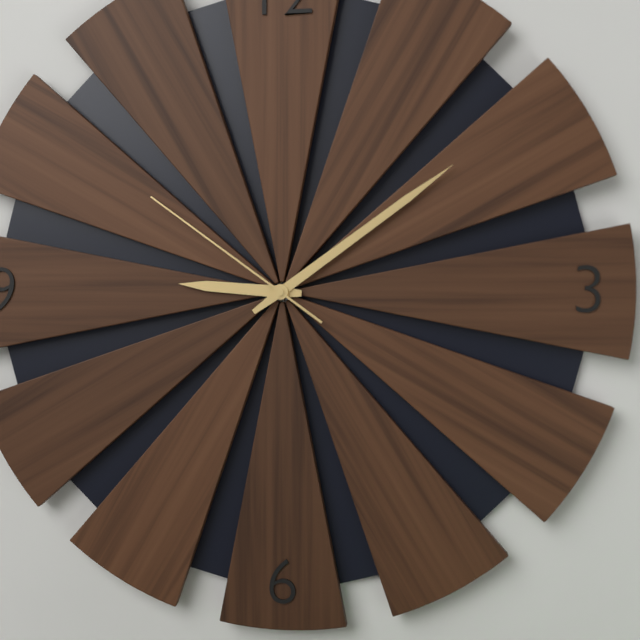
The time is 9,09,51
